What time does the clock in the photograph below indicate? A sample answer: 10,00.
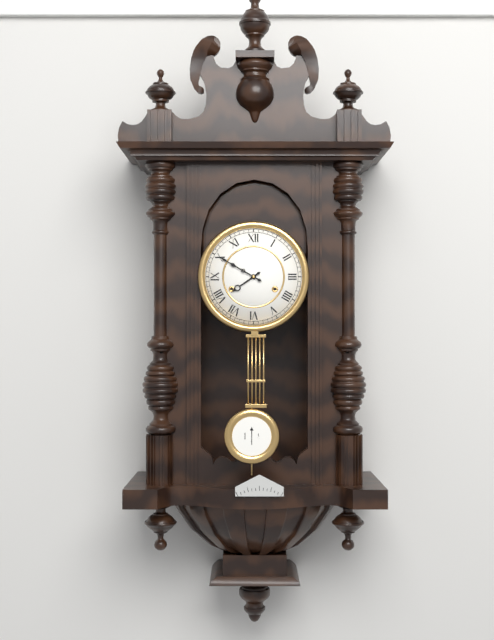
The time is 7,50
